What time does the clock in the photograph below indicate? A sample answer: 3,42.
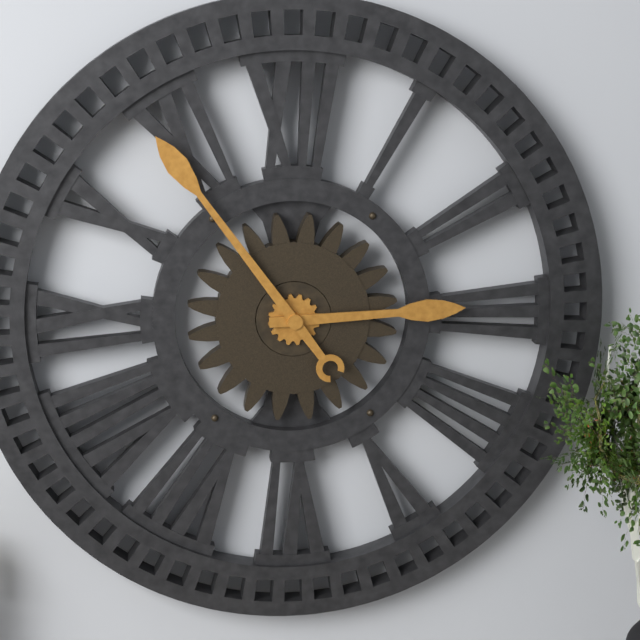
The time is 2,54
